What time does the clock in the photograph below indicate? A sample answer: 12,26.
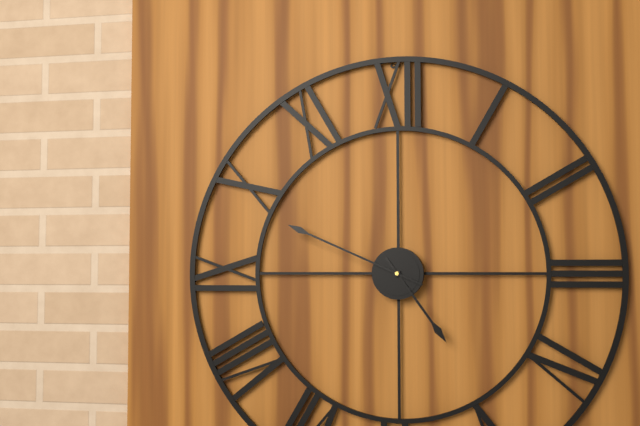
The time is 4,49
